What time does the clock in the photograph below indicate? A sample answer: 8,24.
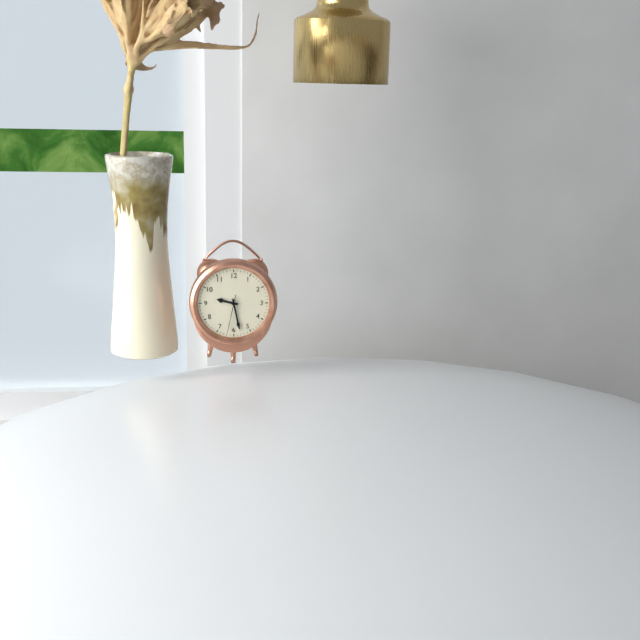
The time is 9,28
